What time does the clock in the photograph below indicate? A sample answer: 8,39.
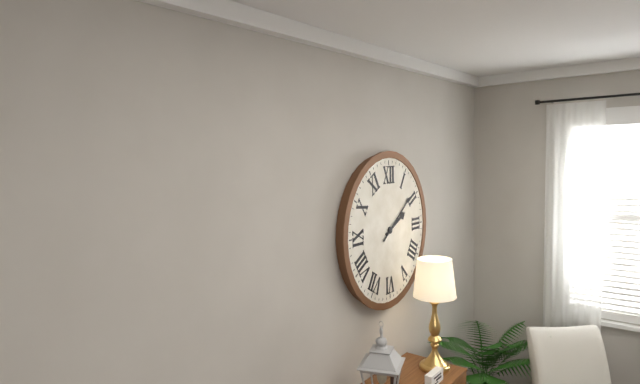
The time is 2,09
